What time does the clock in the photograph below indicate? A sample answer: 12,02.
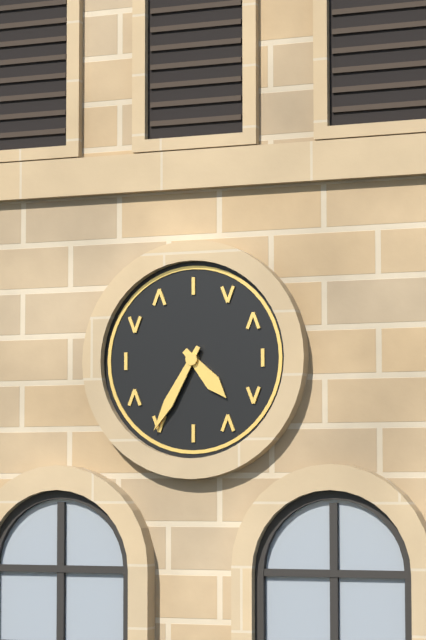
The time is 4,35
